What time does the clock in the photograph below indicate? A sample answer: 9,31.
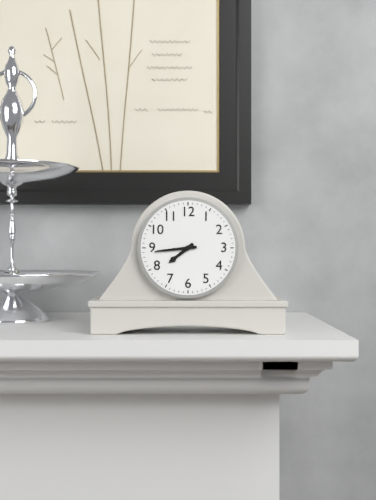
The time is 7,44
